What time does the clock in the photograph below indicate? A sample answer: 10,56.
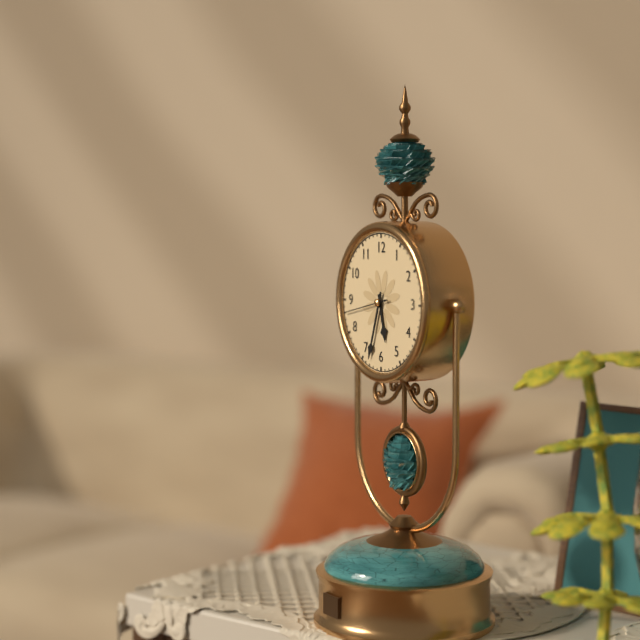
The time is 5,33
